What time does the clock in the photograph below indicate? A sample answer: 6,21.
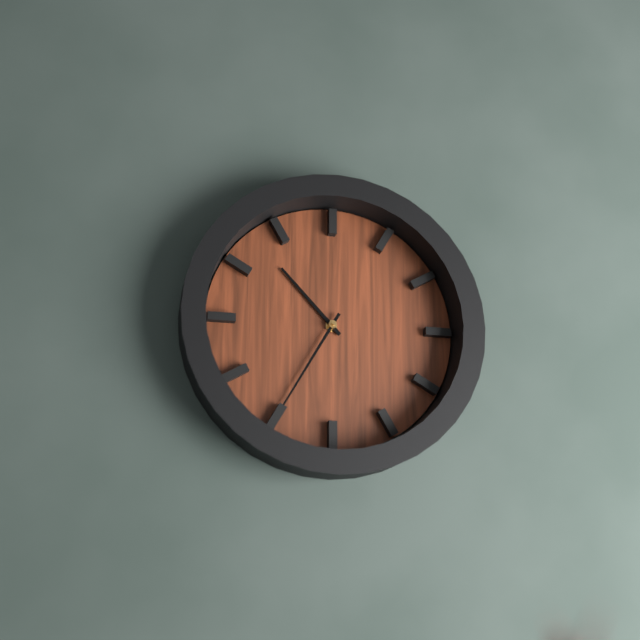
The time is 10,35
